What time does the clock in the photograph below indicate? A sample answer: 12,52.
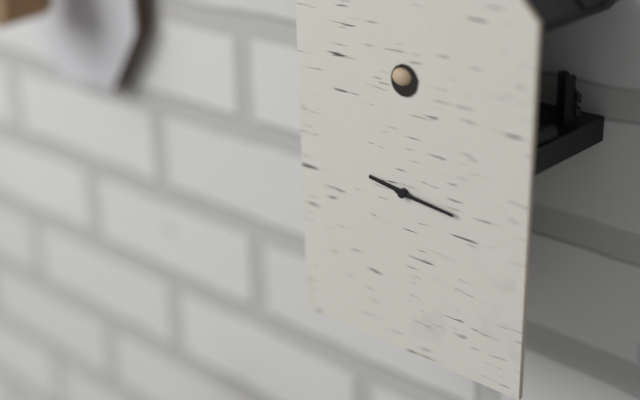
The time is 9,16
